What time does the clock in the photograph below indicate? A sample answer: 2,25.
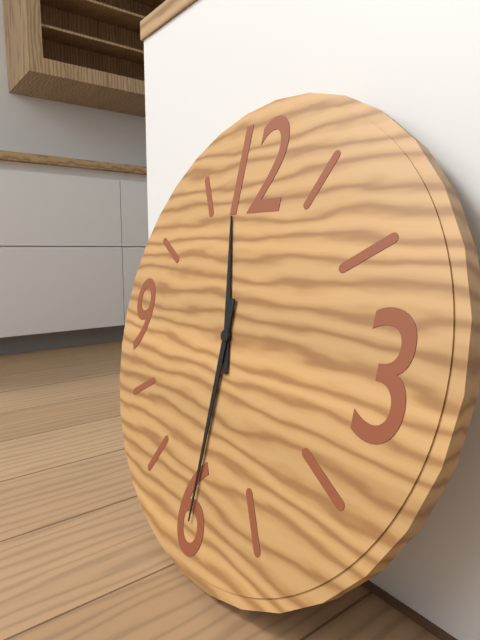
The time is 11,30
